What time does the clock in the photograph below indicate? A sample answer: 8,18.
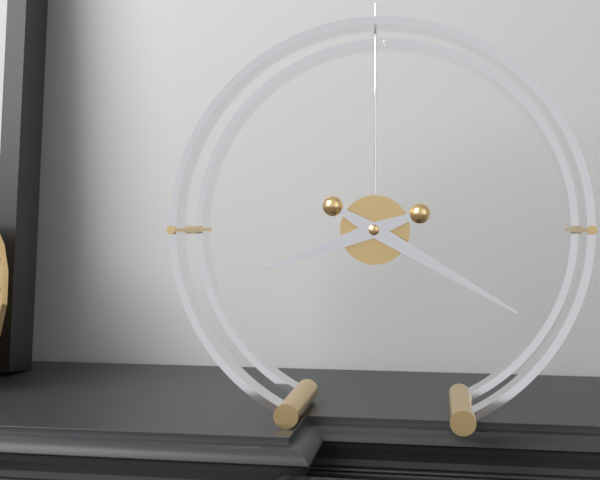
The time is 8,20
